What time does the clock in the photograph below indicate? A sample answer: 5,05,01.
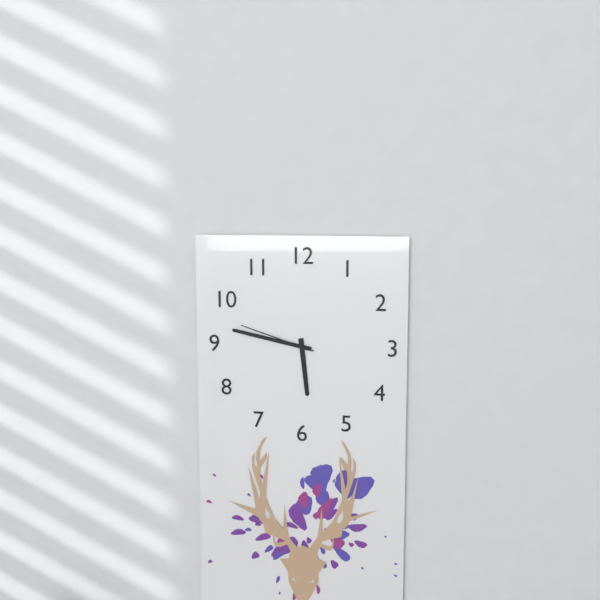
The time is 5,47,48
